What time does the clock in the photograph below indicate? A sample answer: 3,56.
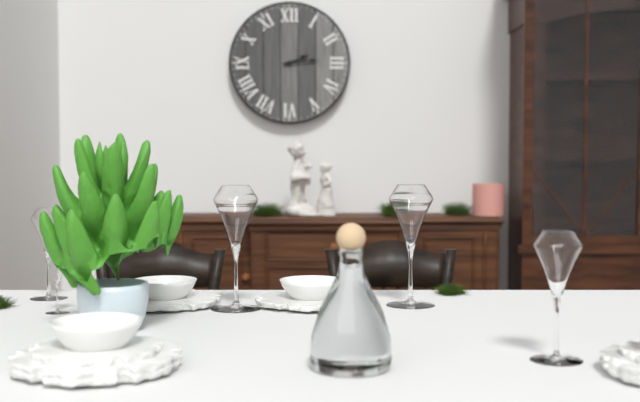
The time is 2,14
